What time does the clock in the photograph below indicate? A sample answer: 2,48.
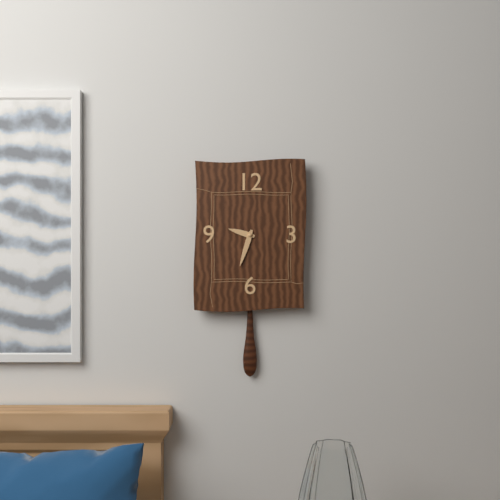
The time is 9,33
